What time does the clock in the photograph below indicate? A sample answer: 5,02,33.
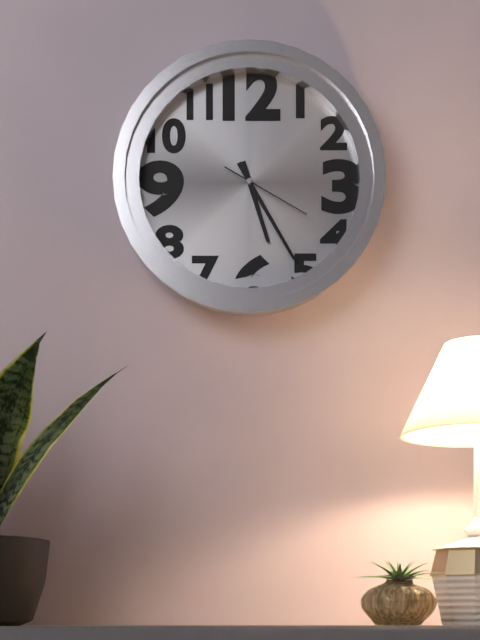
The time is 5,25,20
